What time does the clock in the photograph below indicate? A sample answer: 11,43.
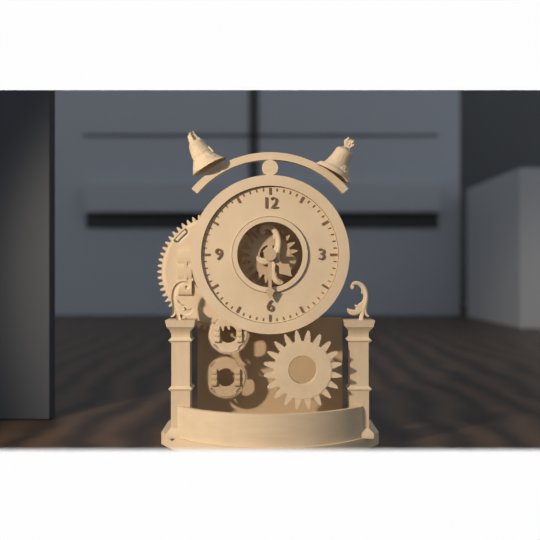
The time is 4,30
